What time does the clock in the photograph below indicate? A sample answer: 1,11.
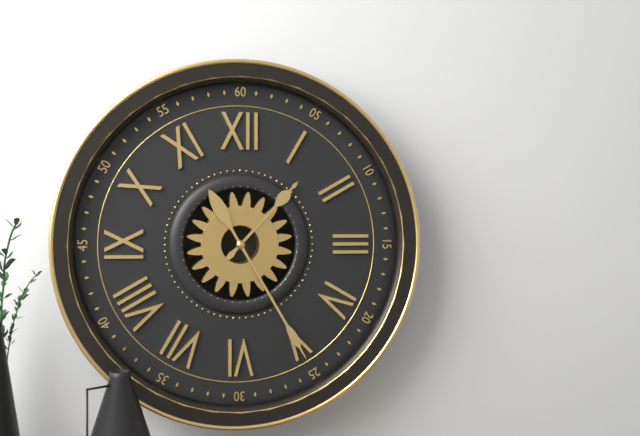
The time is 1,25
